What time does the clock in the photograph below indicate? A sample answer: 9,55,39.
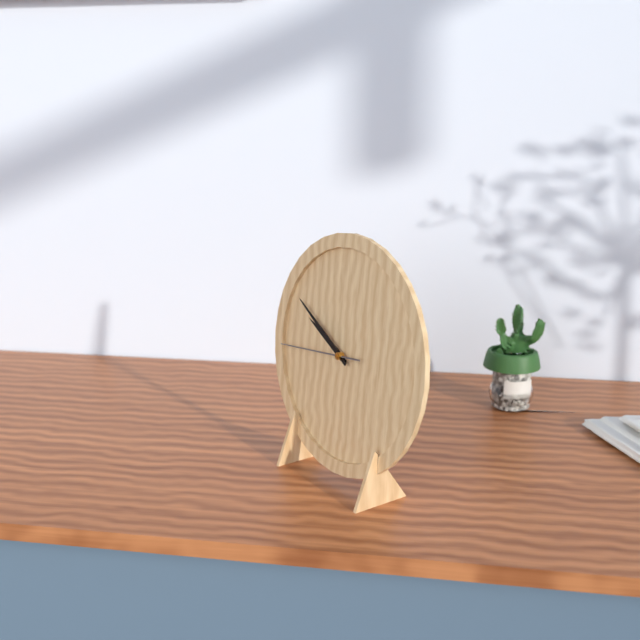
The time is 9,50,44
